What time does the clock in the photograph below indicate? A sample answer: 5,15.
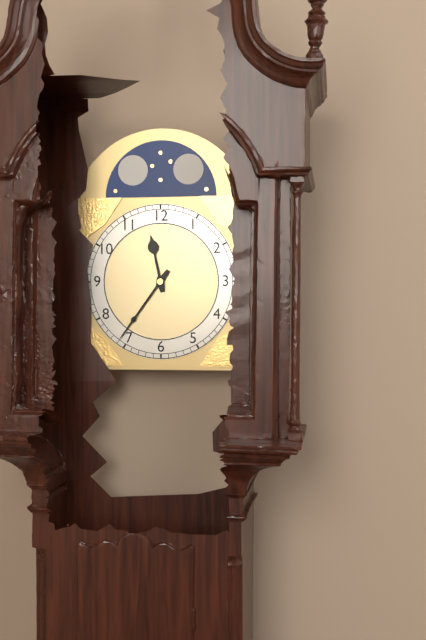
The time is 11,36
